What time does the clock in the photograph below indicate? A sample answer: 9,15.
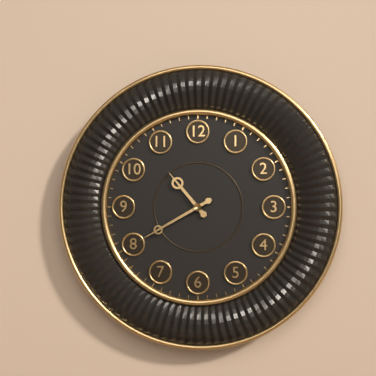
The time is 10,40
